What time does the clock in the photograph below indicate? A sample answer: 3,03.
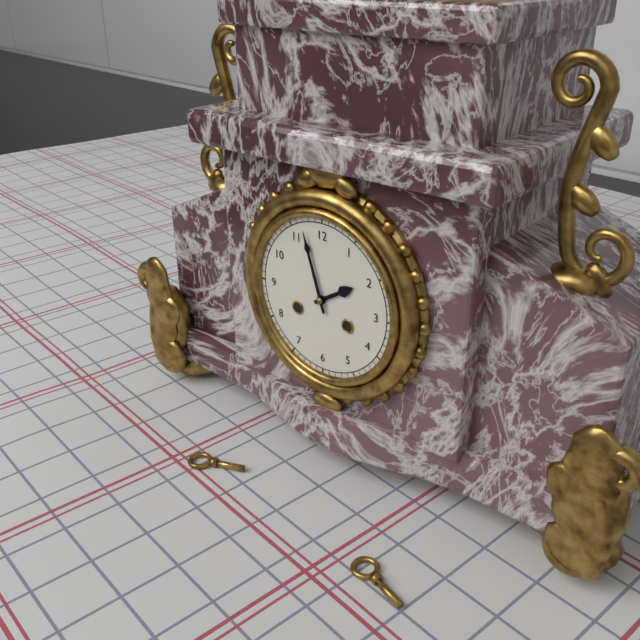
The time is 1,57
